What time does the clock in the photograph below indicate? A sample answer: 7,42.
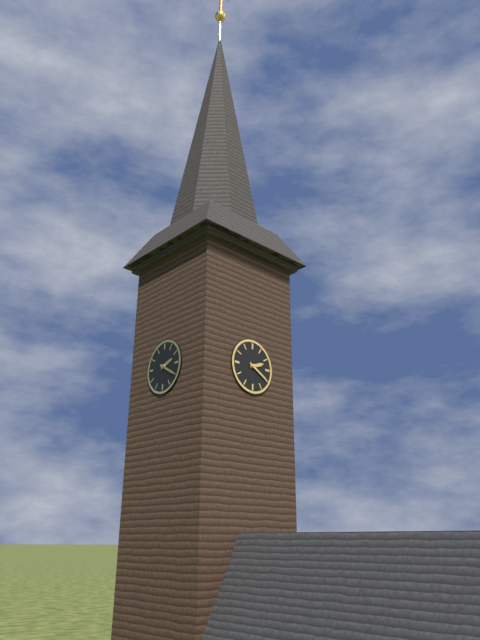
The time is 2,20
